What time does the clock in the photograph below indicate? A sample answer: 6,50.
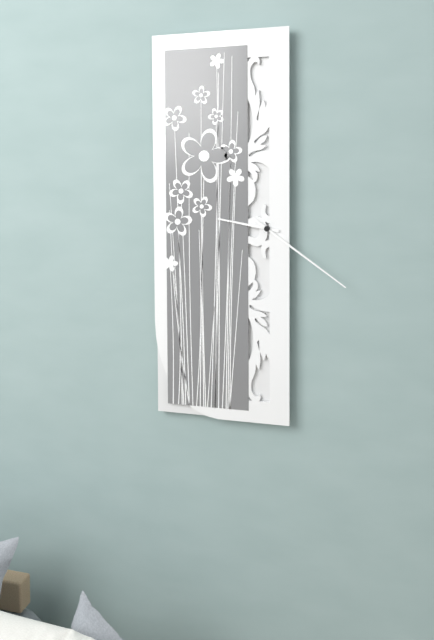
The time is 9,21
